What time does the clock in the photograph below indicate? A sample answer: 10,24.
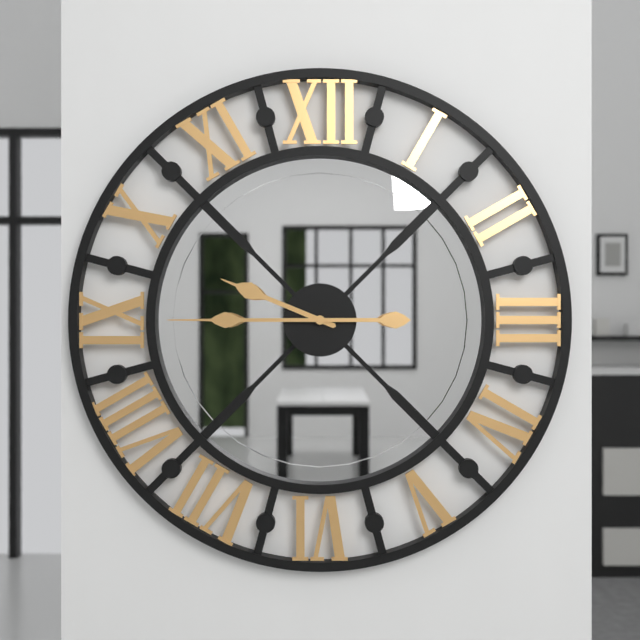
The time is 9,45
